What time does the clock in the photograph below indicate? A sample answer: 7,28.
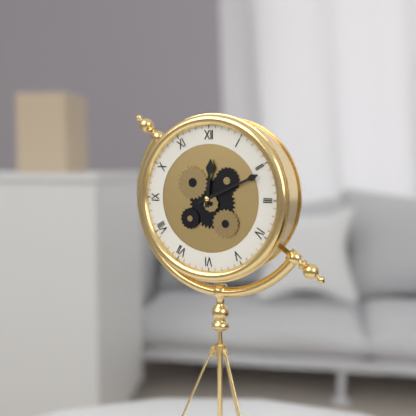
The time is 12,11
